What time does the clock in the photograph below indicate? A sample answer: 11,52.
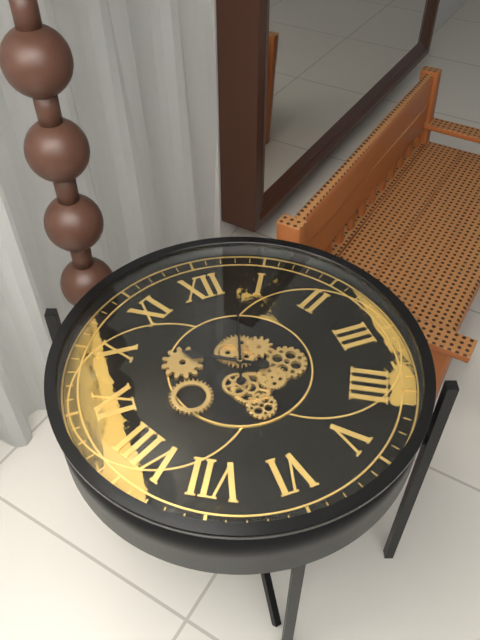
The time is 10,03
